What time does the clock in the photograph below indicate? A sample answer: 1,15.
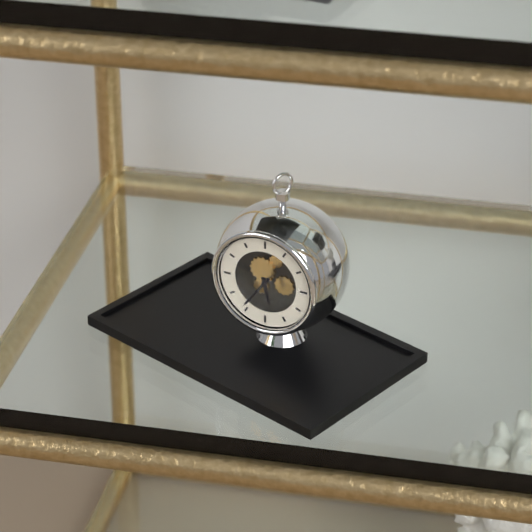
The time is 5,36
